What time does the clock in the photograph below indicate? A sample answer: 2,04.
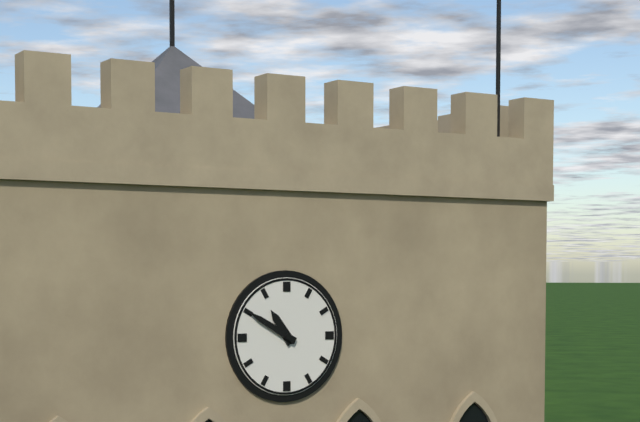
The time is 10,50
